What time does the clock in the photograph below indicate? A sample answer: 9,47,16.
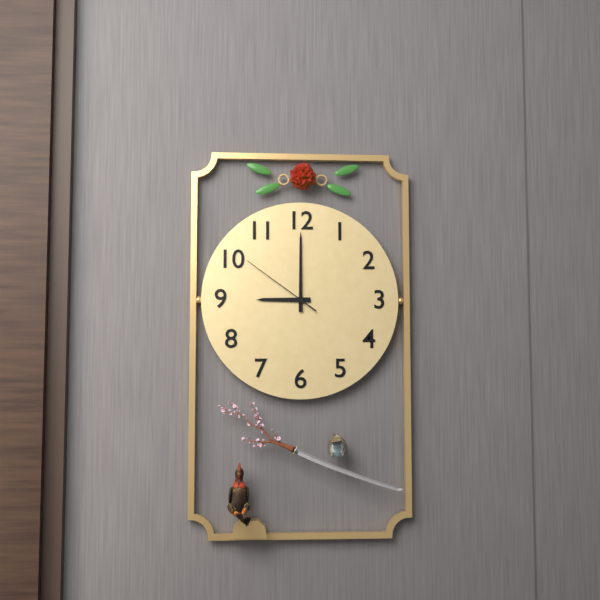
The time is 9,00,51
